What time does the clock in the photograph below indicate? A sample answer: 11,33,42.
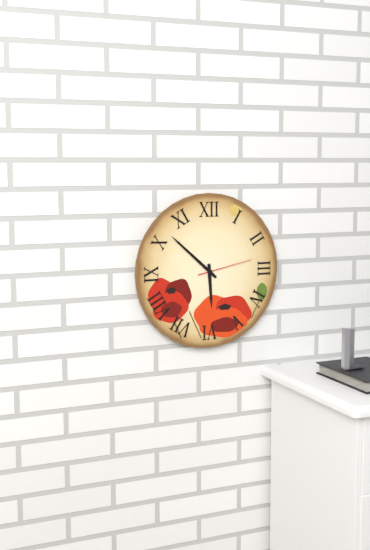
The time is 5,52,13
